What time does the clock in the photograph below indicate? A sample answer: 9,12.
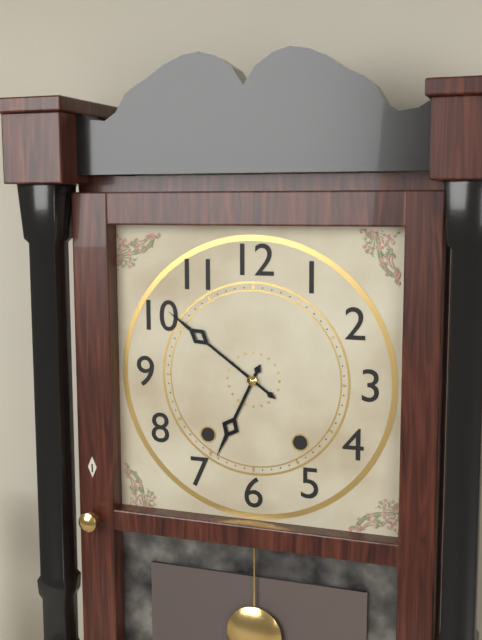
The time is 6,51
